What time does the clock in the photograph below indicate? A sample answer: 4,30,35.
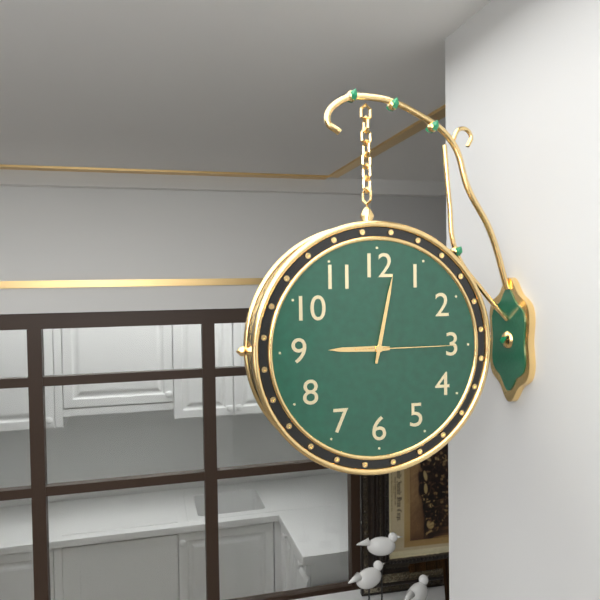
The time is 9,02,15
